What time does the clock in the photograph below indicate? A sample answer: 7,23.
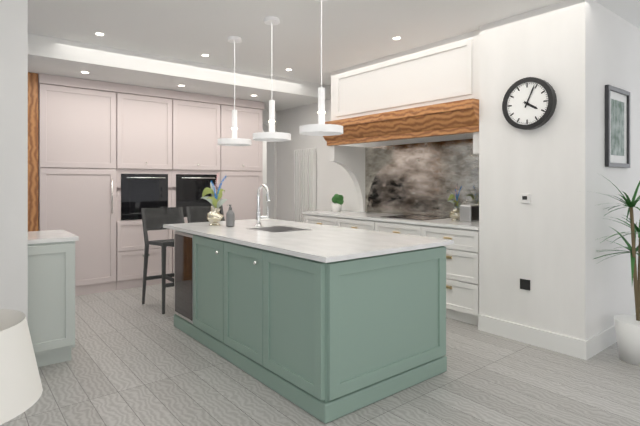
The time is 4,04
